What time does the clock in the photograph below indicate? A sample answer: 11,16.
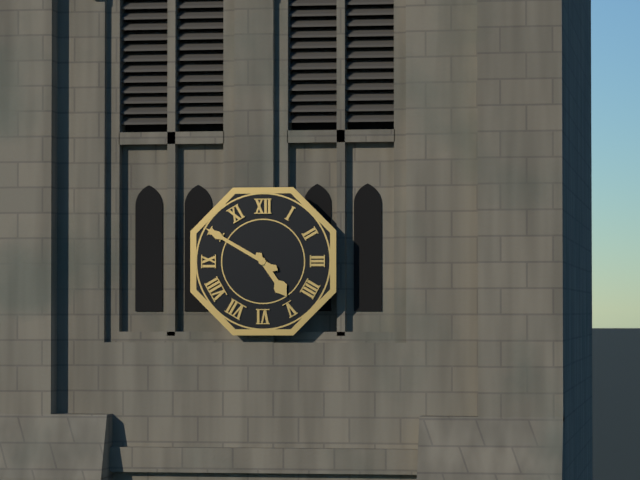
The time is 4,50
